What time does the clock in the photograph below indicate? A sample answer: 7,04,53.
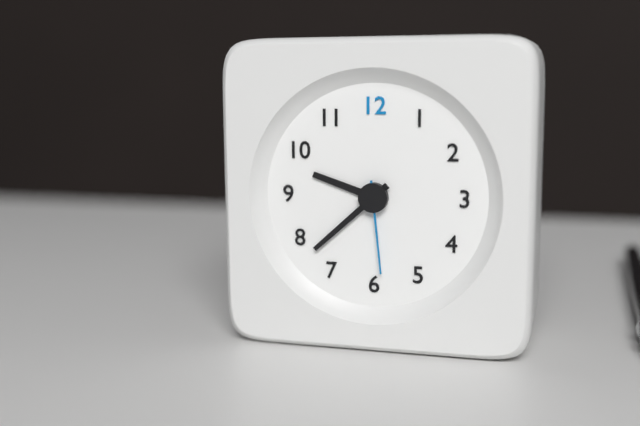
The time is 9,38,29
